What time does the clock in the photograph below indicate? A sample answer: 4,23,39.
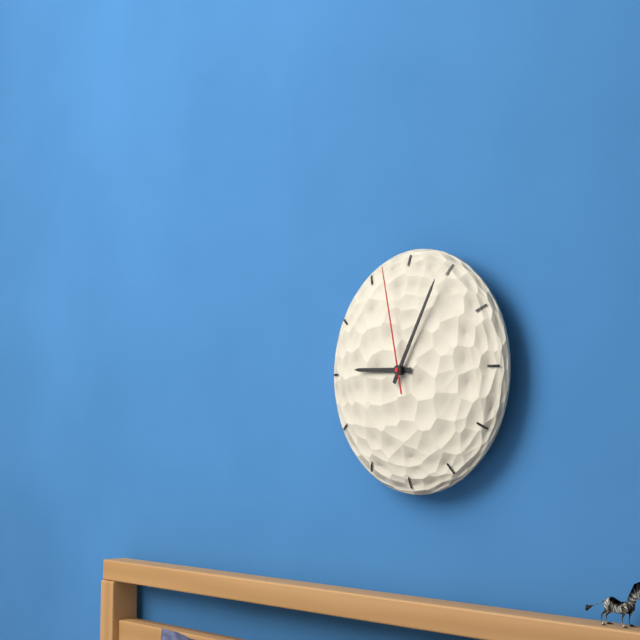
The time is 9,05,58
